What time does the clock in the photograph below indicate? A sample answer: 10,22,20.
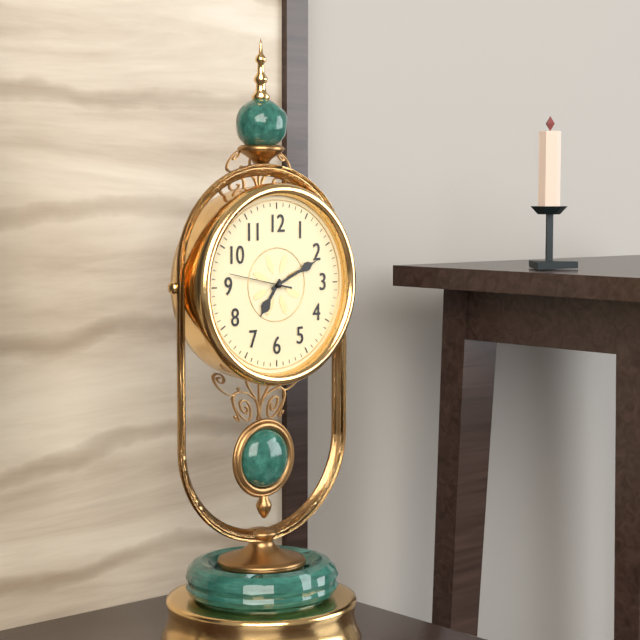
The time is 7,11,47
